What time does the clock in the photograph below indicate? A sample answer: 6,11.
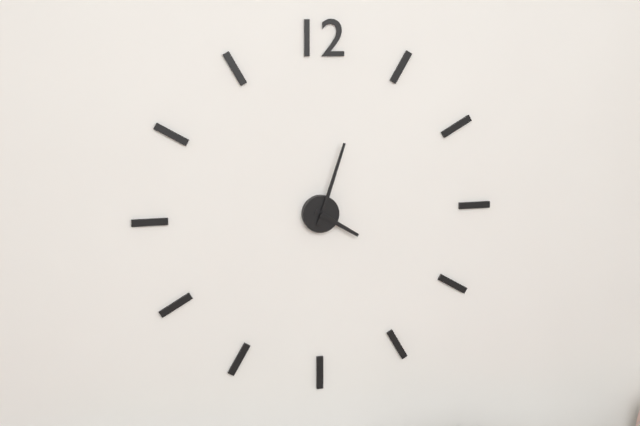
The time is 4,03
